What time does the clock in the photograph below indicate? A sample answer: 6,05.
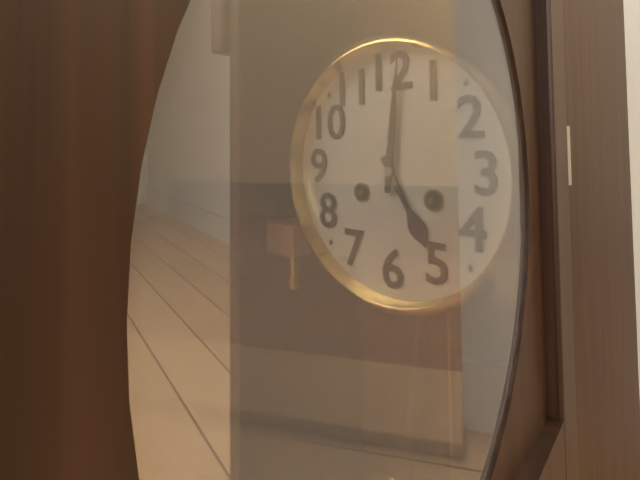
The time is 5,01
